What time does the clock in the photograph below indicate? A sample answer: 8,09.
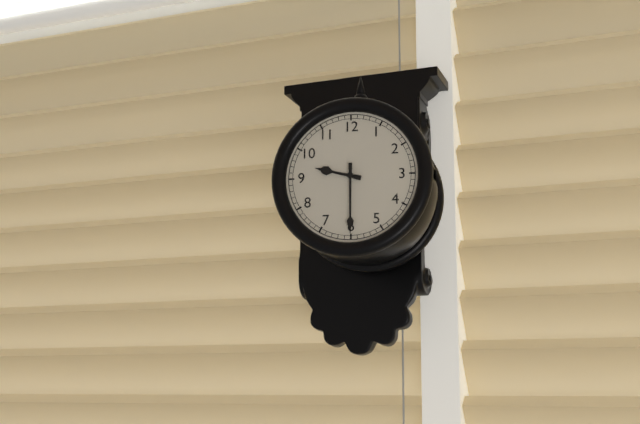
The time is 9,30
